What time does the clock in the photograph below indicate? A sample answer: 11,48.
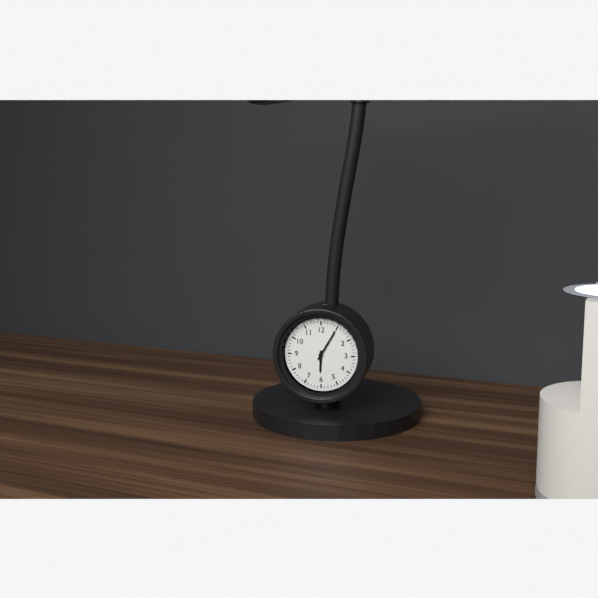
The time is 6,05
